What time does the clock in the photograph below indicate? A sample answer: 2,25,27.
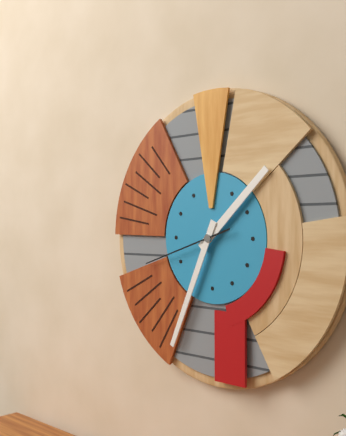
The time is 1,34,42
